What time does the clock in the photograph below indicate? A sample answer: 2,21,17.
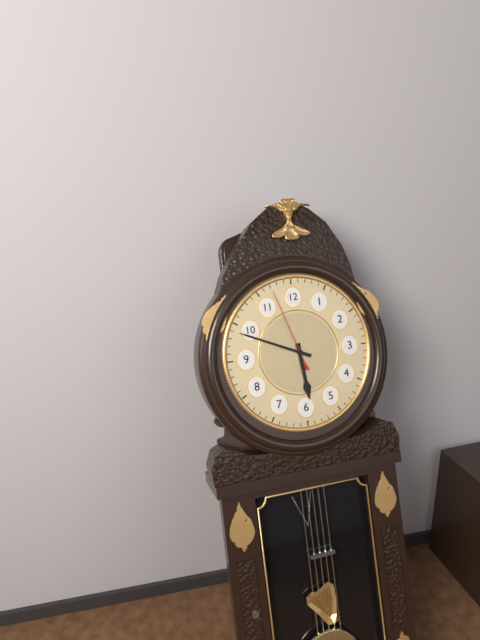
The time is 5,49,57
